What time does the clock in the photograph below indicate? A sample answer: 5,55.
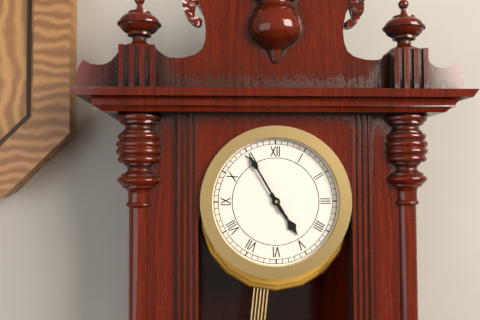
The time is 4,55
